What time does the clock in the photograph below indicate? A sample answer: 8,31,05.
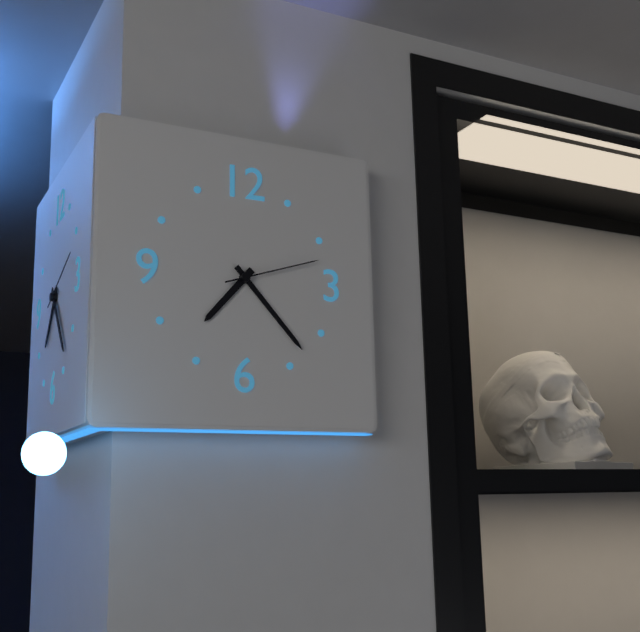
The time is 7,23,12
